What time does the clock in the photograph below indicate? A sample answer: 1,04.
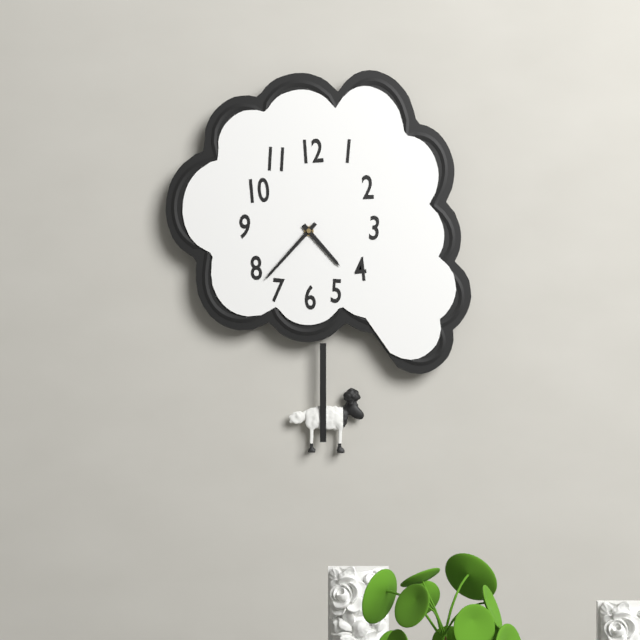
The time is 4,37
